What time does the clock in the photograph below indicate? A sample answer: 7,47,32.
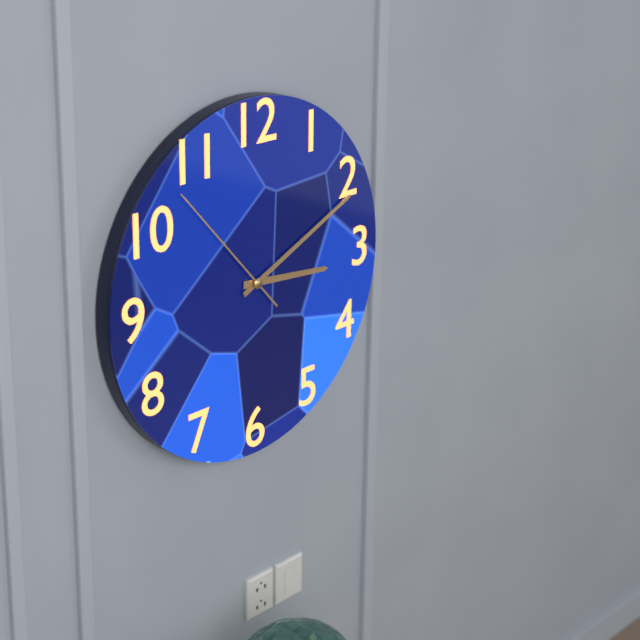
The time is 3,11,53
